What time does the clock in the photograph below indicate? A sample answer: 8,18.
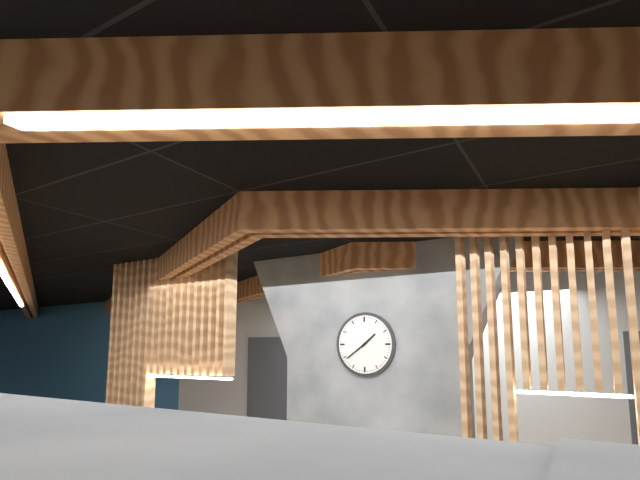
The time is 1,39
